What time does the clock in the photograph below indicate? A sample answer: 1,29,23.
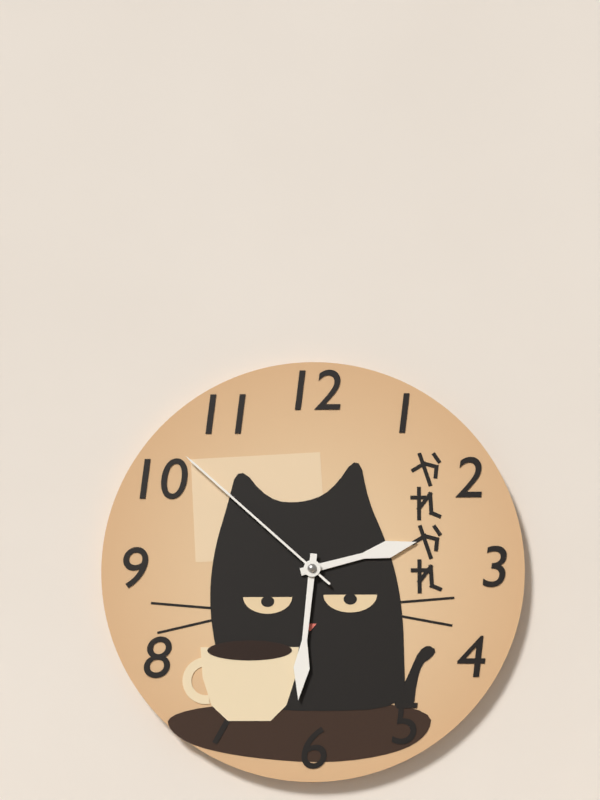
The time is 2,31,52
